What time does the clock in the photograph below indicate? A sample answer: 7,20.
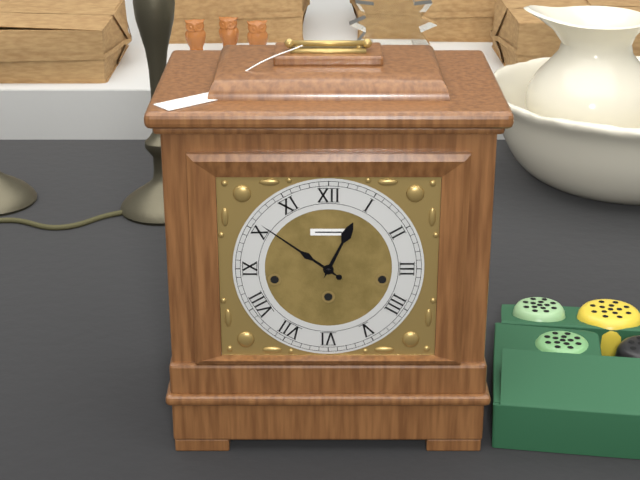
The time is 12,51
